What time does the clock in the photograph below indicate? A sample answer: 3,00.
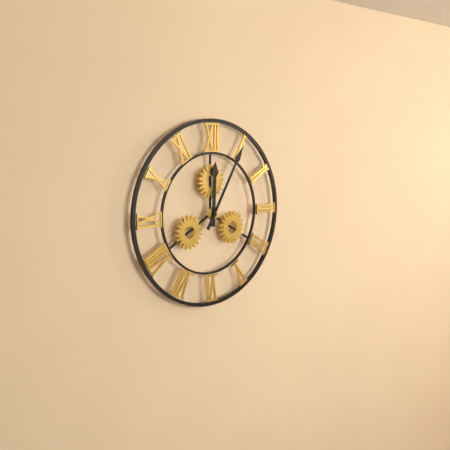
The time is 12,05
